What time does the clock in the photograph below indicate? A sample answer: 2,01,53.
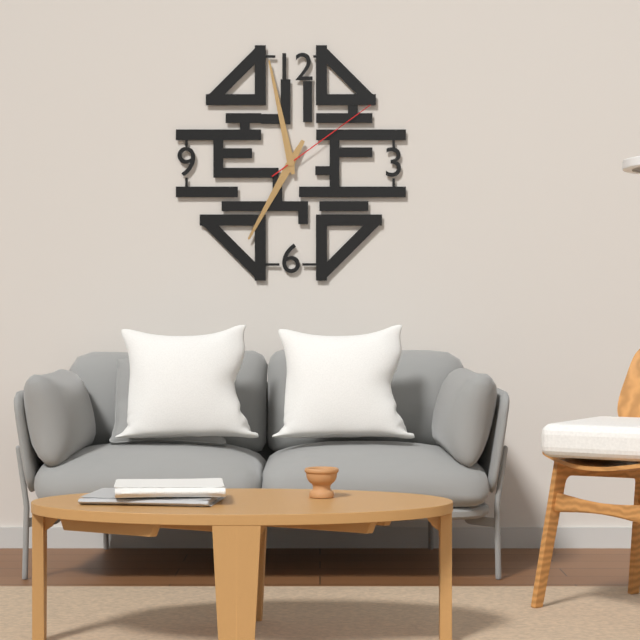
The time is 6,58,09
